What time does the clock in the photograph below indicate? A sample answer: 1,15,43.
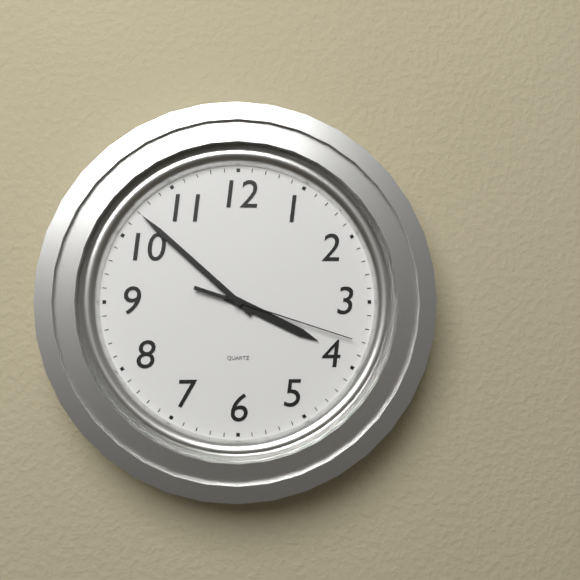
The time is 3,52,18
